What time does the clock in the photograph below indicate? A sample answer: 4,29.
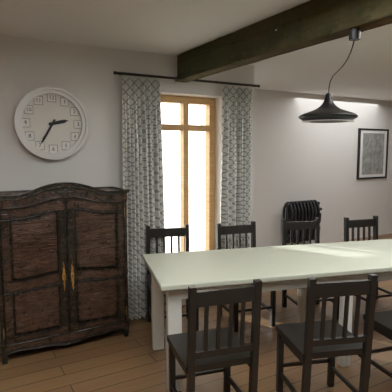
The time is 2,35
